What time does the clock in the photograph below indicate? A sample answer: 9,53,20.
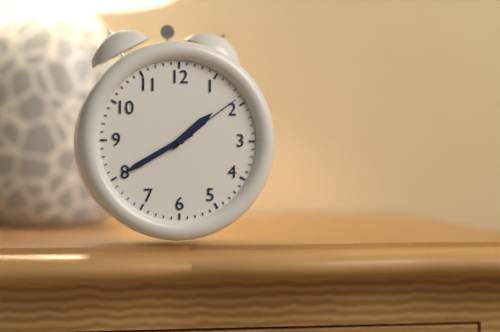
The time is 1,40,09
